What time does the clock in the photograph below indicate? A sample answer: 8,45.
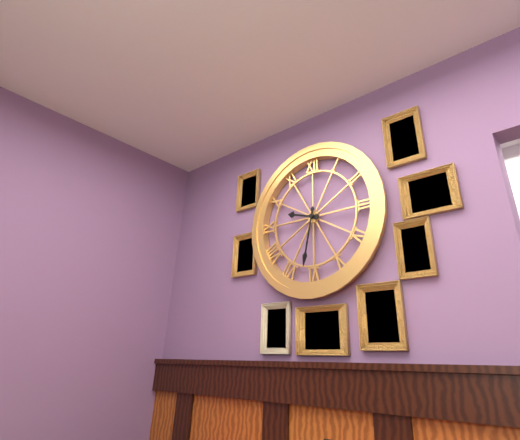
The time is 9,32
